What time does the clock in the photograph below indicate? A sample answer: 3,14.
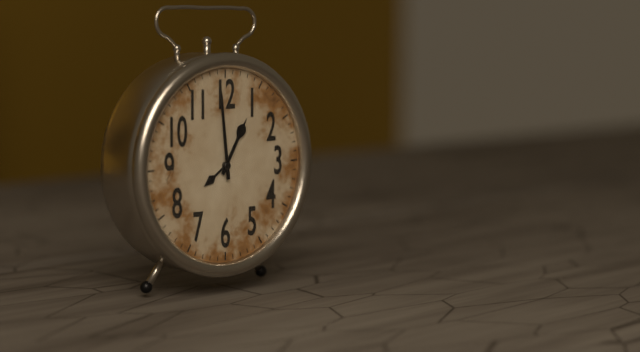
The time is 12,59
